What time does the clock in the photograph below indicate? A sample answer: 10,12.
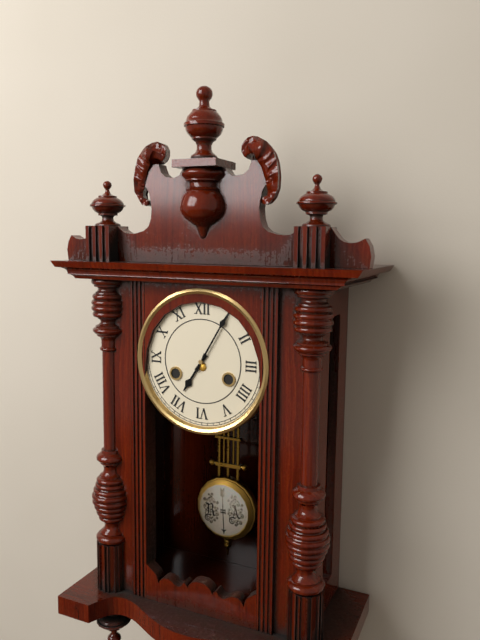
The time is 7,05
